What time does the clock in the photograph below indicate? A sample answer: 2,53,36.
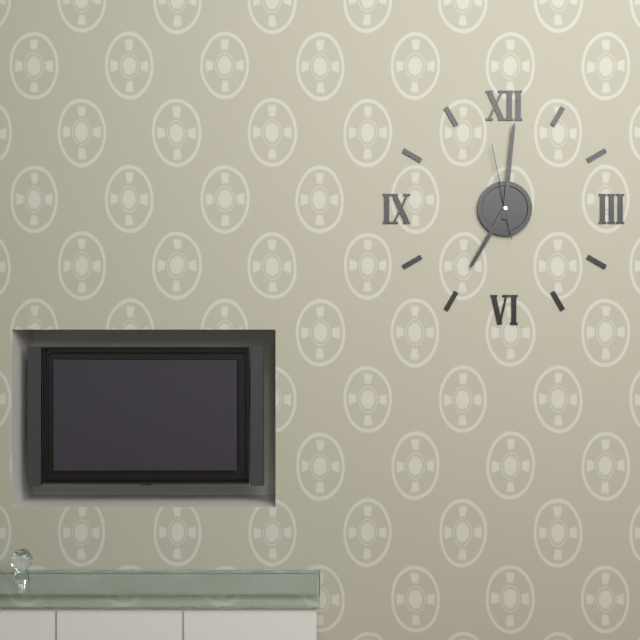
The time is 7,01,58
